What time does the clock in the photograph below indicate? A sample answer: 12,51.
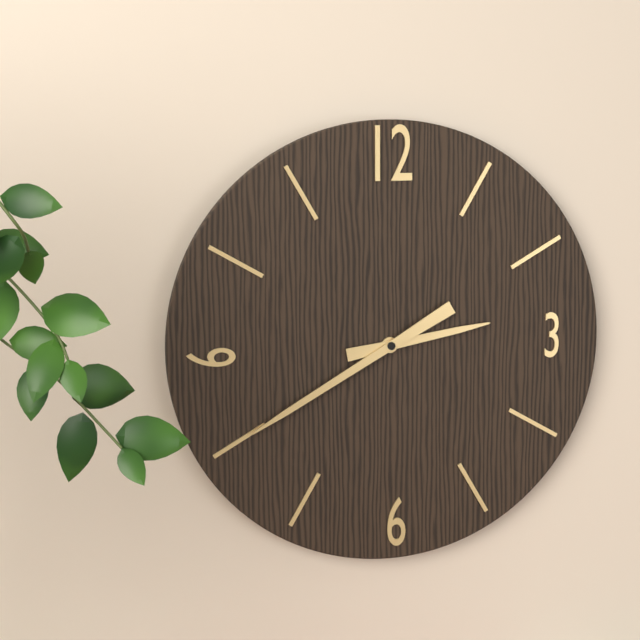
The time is 2,40
